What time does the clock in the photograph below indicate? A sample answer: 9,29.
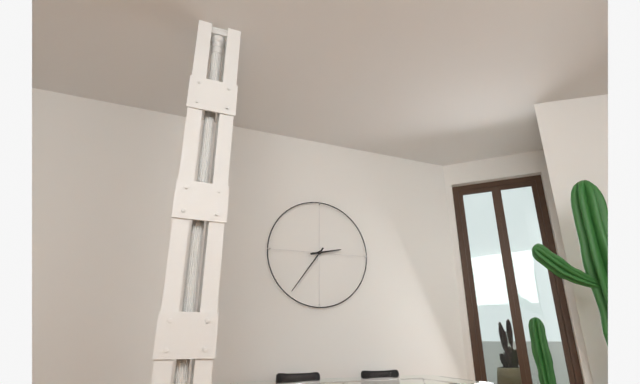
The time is 2,36
